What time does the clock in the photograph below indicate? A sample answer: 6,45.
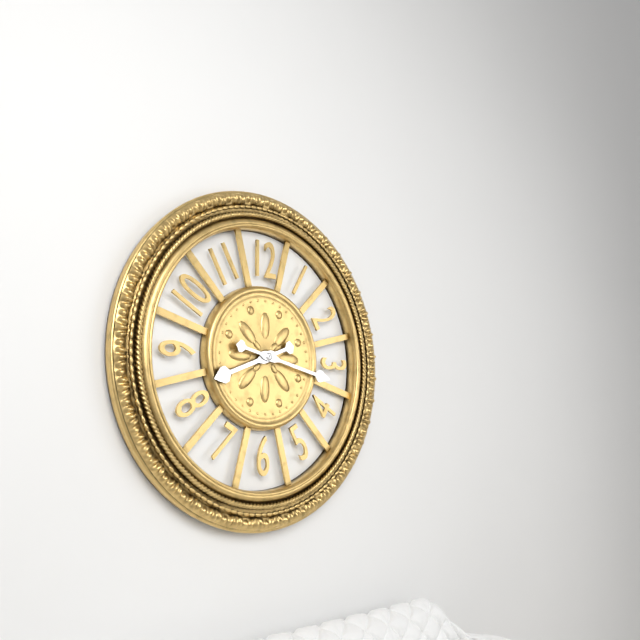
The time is 8,17
